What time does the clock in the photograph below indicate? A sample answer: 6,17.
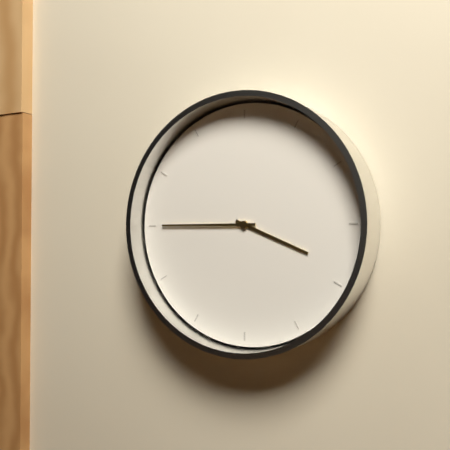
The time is 3,45
